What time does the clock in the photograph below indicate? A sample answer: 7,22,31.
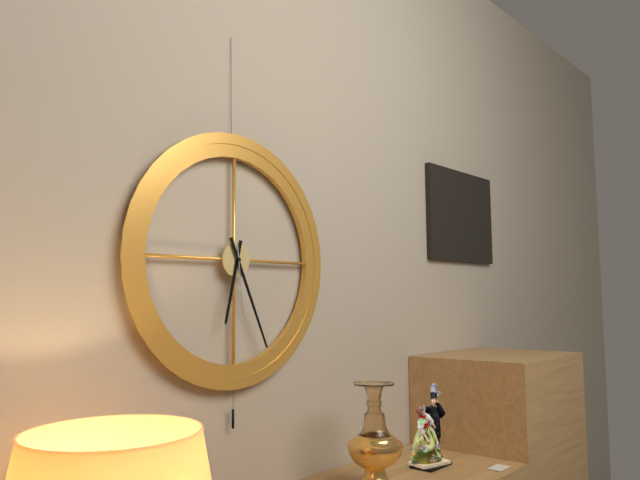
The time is 6,26,29
